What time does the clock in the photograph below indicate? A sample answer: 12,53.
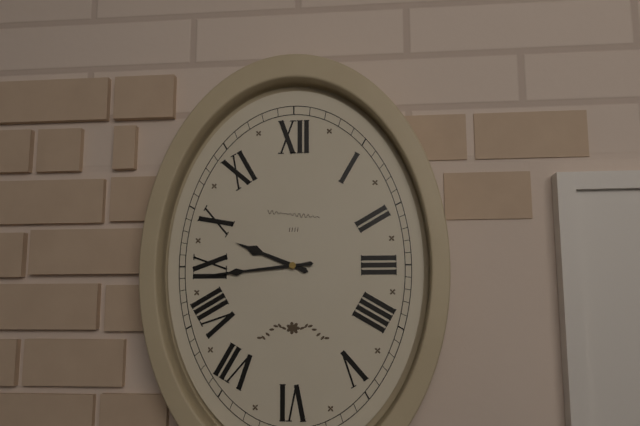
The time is 9,44
